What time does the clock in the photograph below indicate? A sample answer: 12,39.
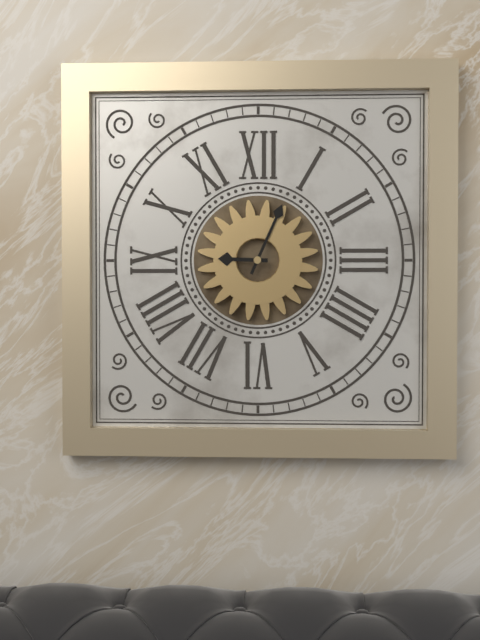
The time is 9,04
